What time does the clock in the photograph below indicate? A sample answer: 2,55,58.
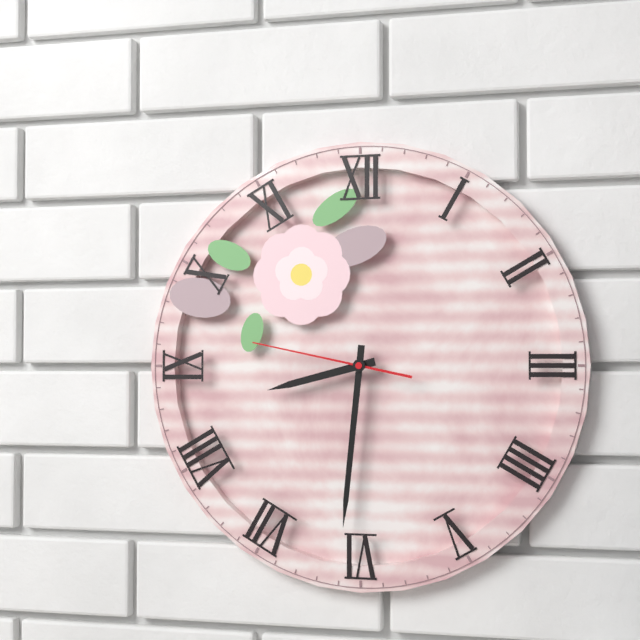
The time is 8,31,47
